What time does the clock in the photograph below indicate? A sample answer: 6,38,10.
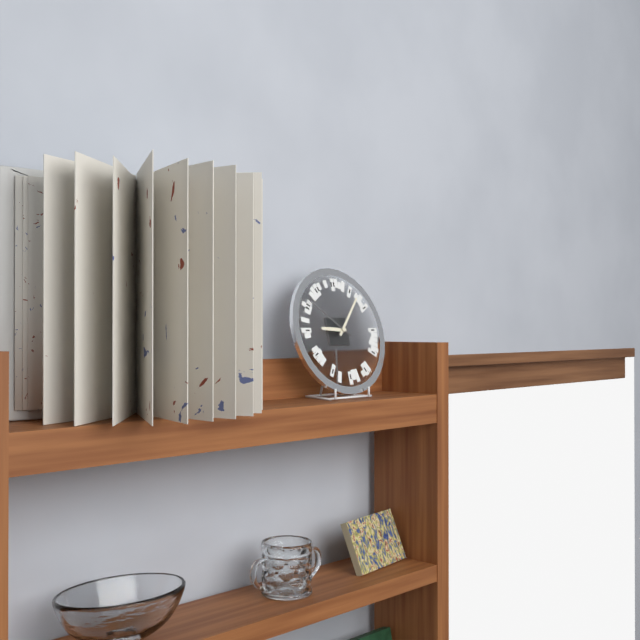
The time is 9,07,51
